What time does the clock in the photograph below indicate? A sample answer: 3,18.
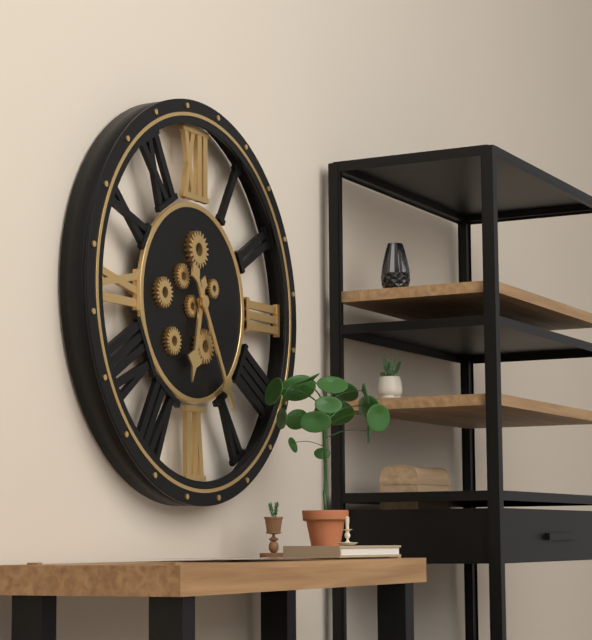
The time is 6,25
